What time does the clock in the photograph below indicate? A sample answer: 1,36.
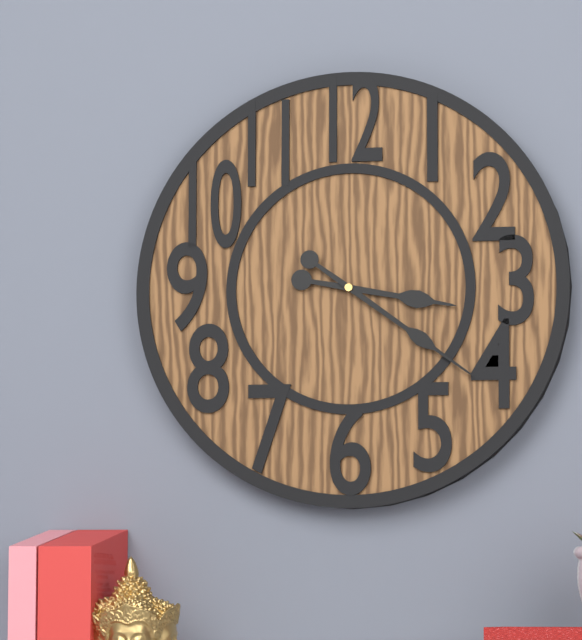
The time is 3,21
